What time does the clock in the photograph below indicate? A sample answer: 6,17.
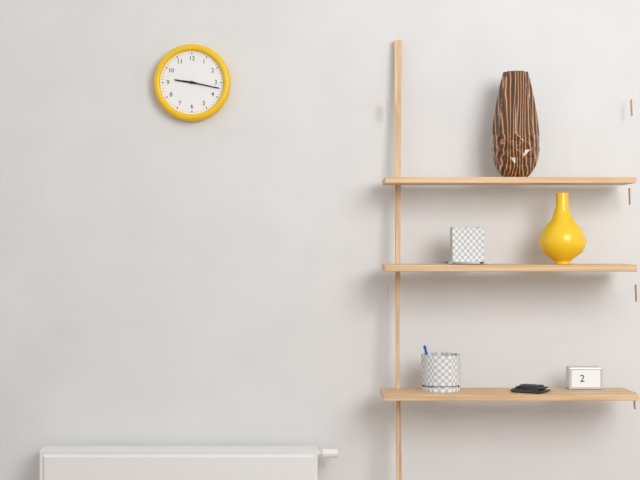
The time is 9,17
